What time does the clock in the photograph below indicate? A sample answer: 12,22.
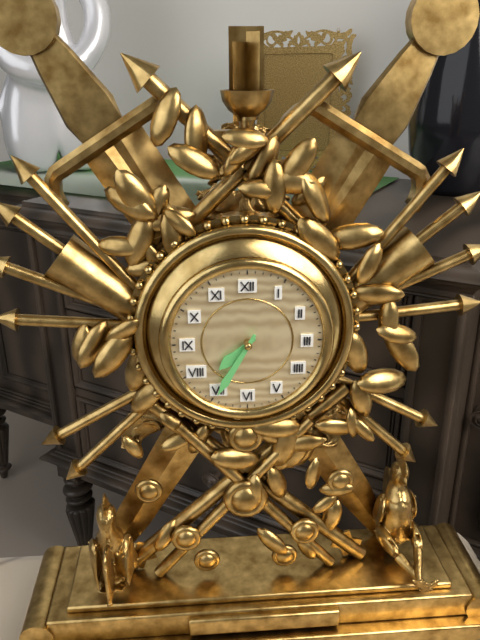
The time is 7,35
